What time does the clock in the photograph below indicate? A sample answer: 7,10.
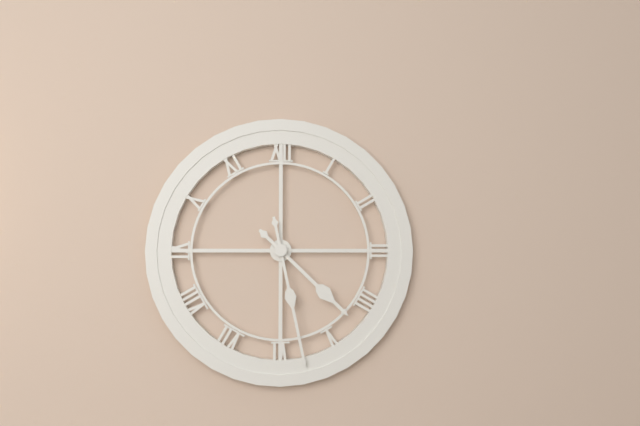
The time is 4,28
